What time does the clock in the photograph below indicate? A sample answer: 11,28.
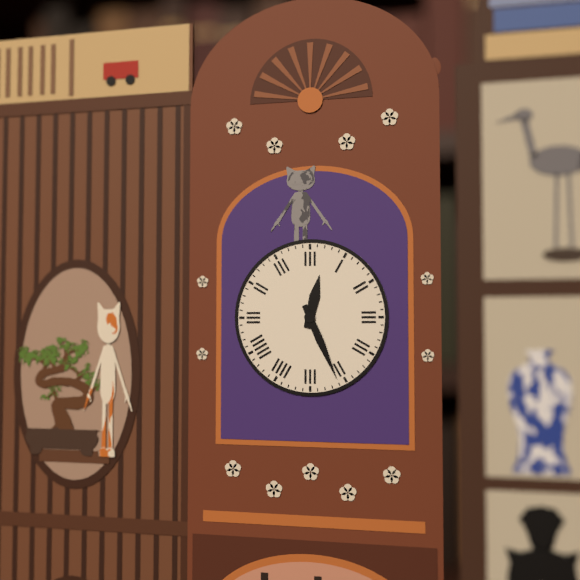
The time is 12,26
